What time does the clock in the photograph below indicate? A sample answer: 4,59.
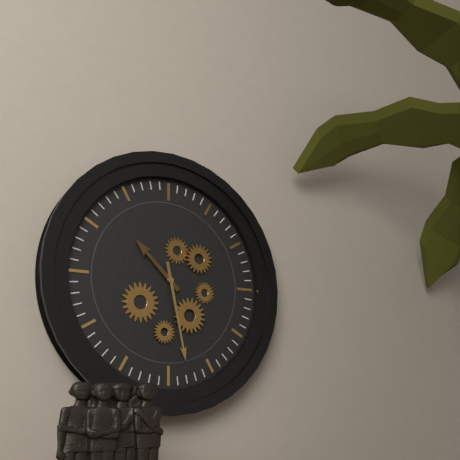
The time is 10,28
